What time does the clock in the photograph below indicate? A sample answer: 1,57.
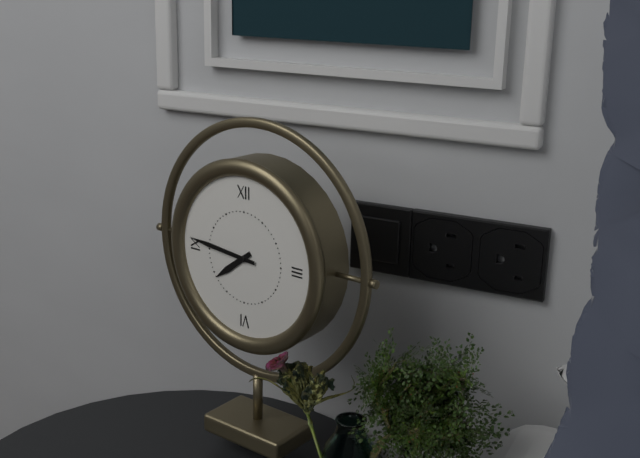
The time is 7,46
